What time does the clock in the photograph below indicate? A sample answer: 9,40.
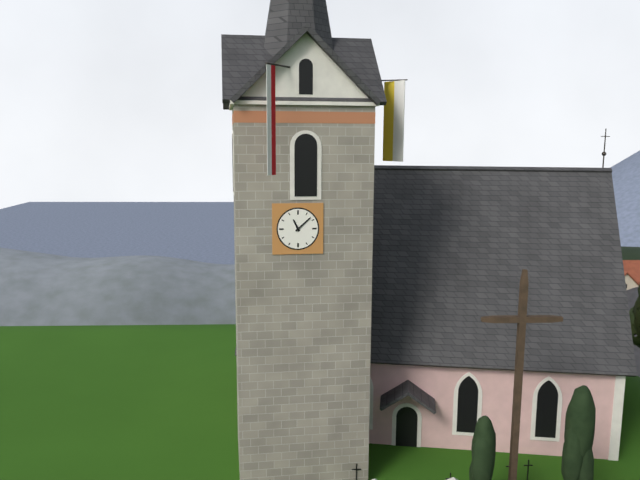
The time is 11,08
